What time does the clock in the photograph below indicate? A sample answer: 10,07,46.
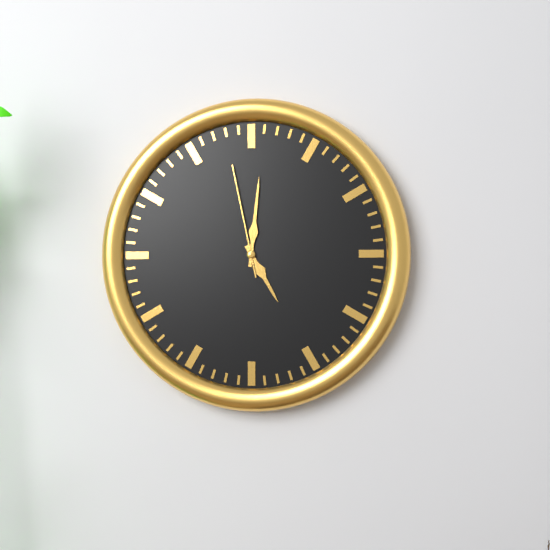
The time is 5,01,58
